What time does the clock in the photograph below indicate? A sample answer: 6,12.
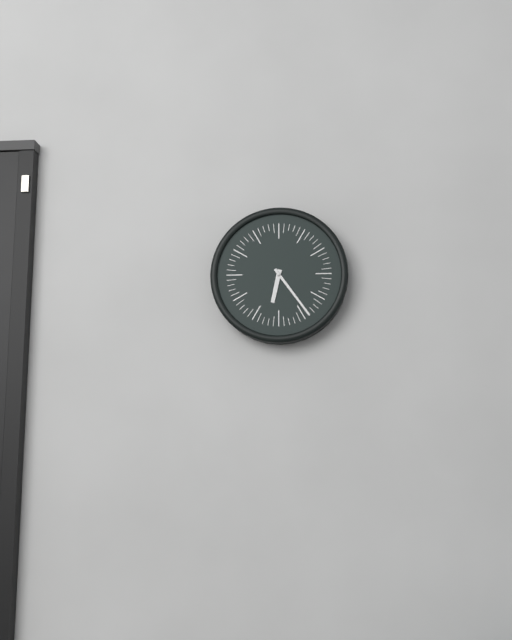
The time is 6,24
